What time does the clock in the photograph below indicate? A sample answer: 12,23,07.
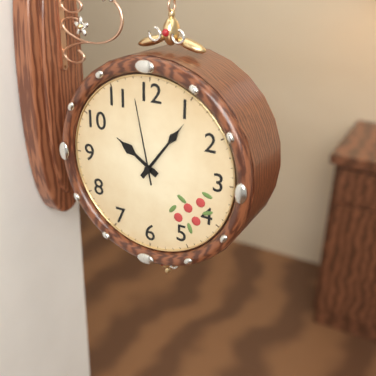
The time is 10,06,58
